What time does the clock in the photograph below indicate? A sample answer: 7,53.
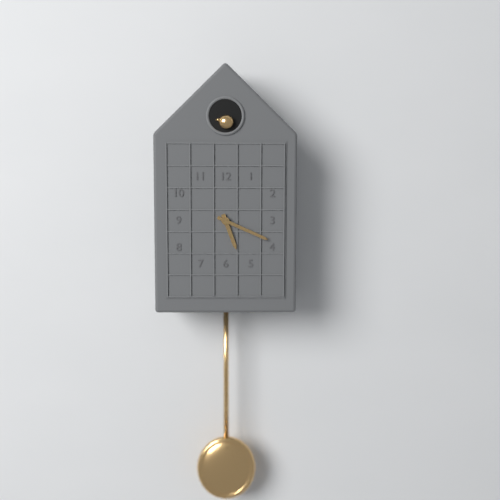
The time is 5,19
